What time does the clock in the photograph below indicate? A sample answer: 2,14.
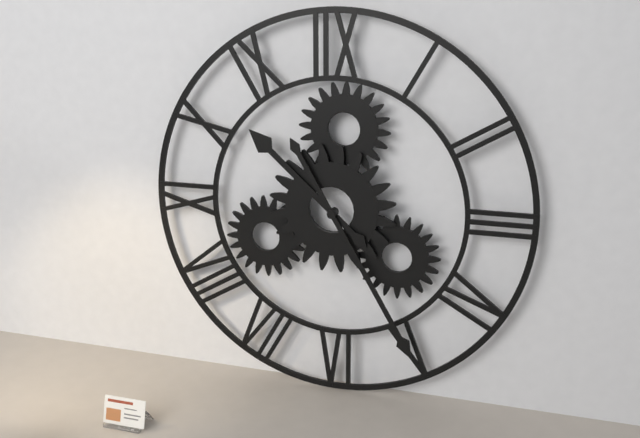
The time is 10,25
